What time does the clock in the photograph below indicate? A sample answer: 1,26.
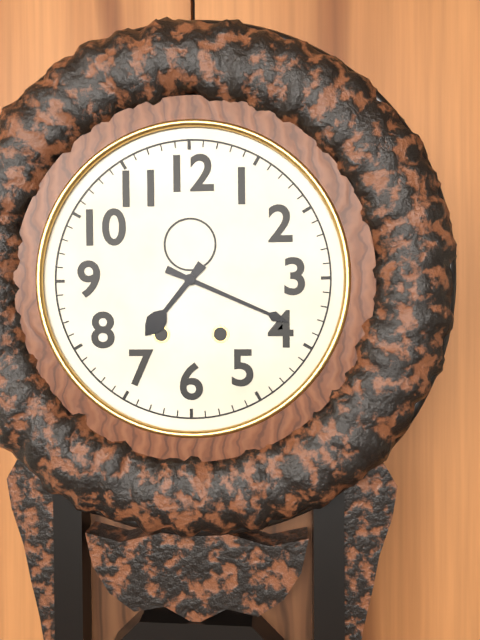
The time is 7,19
